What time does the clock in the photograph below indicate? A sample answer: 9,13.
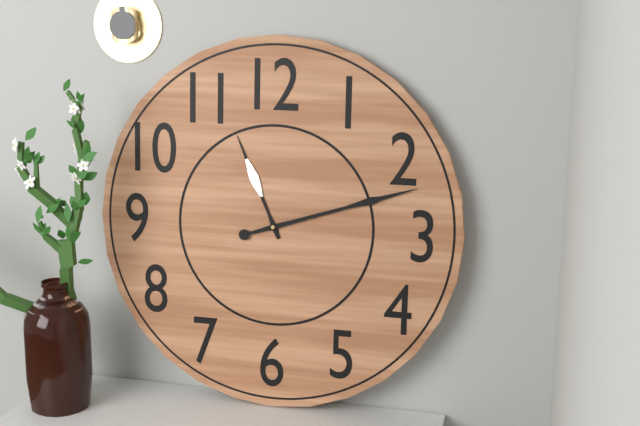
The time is 11,12
